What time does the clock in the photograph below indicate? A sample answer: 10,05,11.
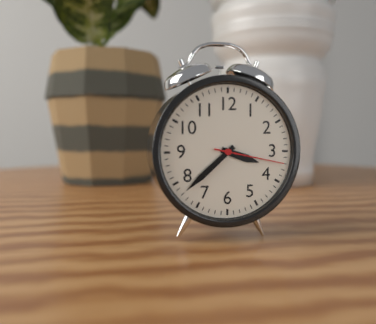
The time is 3,38,17
